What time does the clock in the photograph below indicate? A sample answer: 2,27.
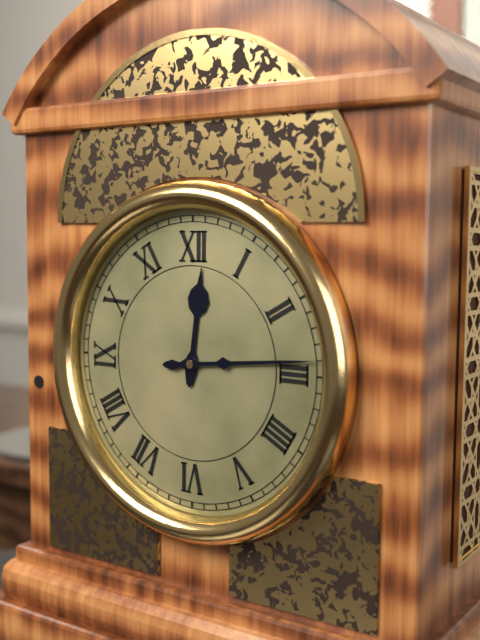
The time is 12,14
